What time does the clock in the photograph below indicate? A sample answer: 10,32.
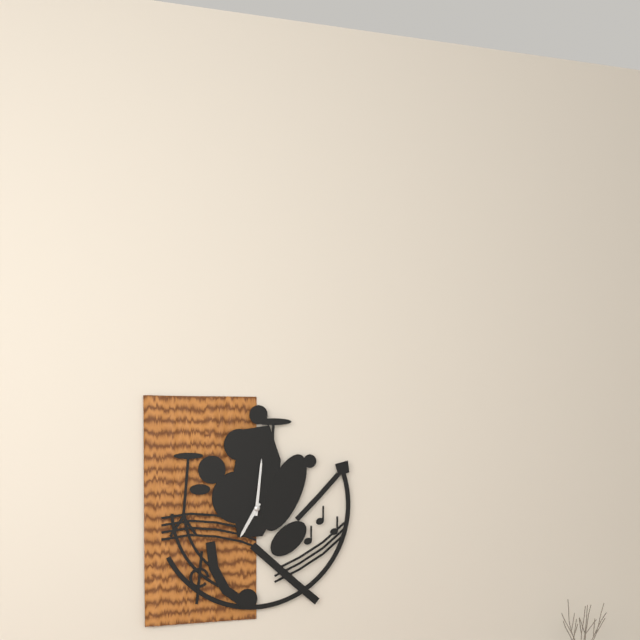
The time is 7,01
